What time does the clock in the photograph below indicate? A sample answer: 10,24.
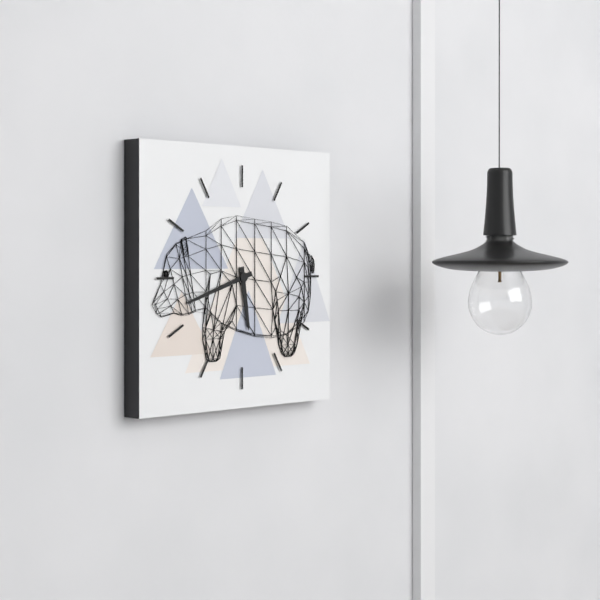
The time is 5,42
